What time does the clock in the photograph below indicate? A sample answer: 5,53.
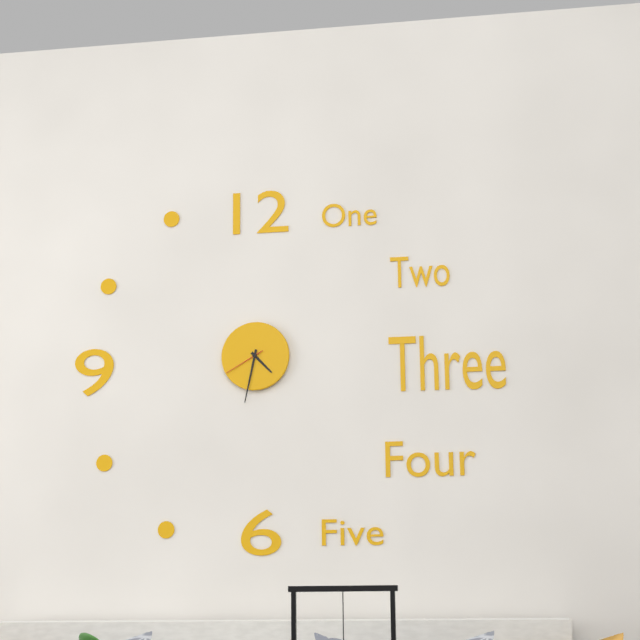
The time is 4,32
